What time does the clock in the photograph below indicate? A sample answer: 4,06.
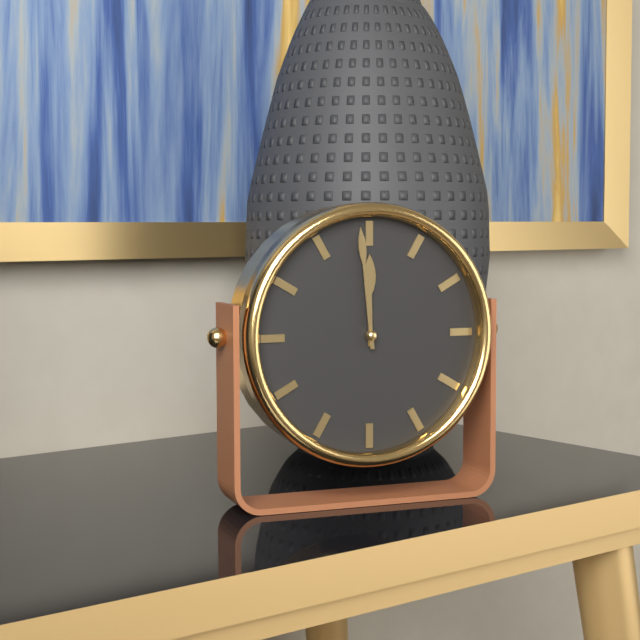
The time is 11,59
